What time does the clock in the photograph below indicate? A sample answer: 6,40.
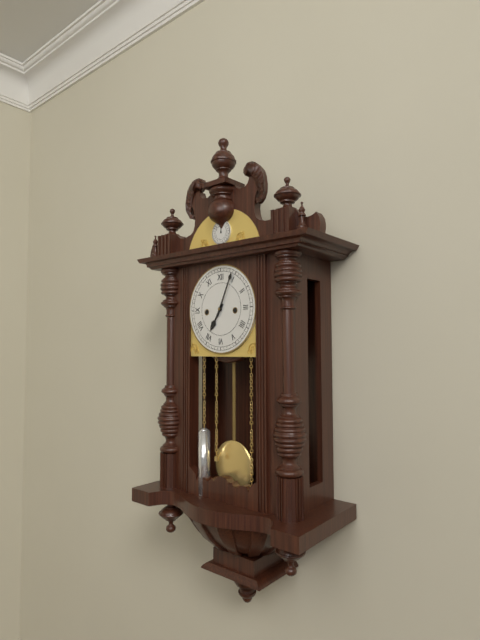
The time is 7,04
